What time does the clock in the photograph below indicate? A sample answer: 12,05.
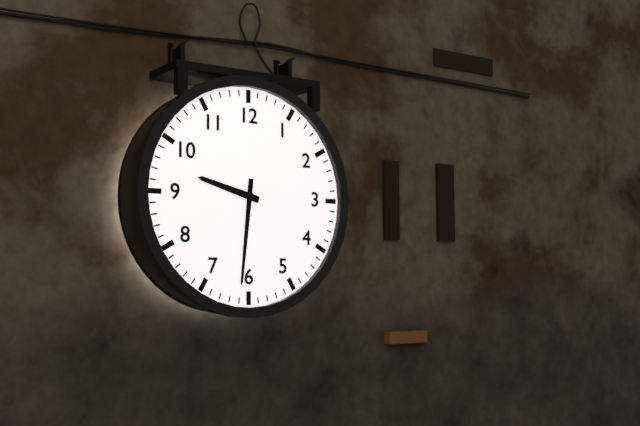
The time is 9,31
